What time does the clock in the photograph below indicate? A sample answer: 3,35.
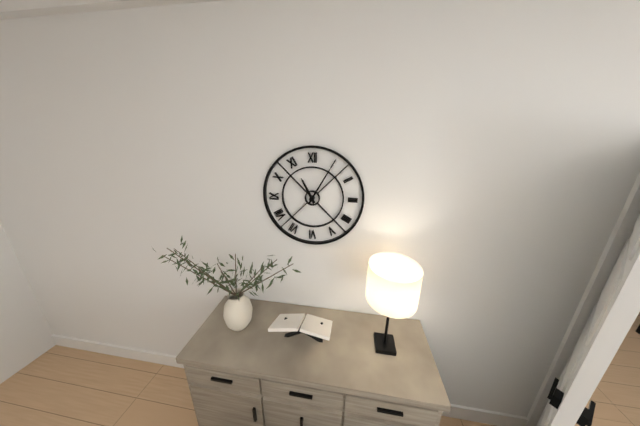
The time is 11,05
